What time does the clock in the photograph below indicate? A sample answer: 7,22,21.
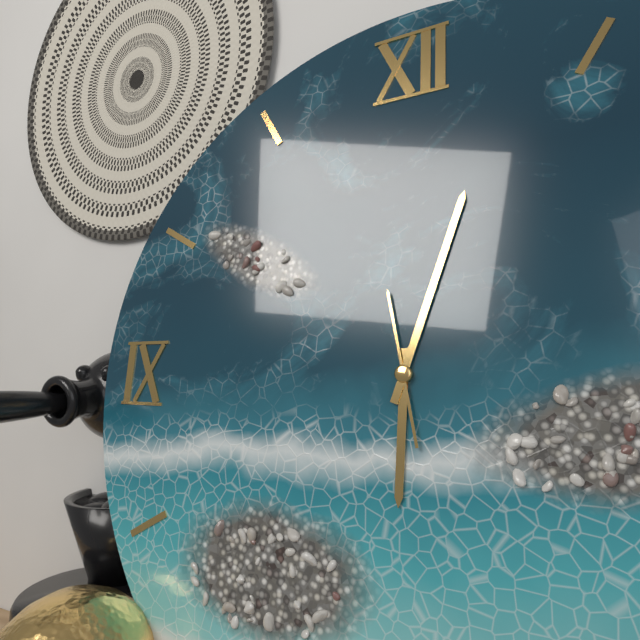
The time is 6,03,58
